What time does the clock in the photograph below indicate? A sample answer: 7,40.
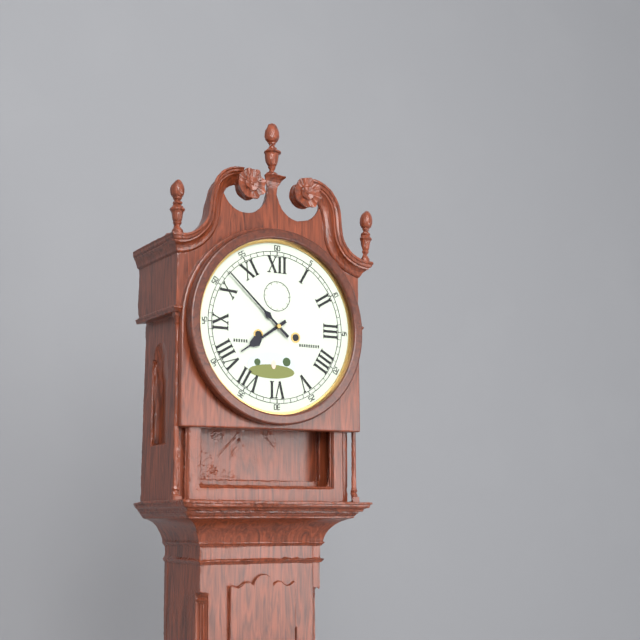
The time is 7,52
